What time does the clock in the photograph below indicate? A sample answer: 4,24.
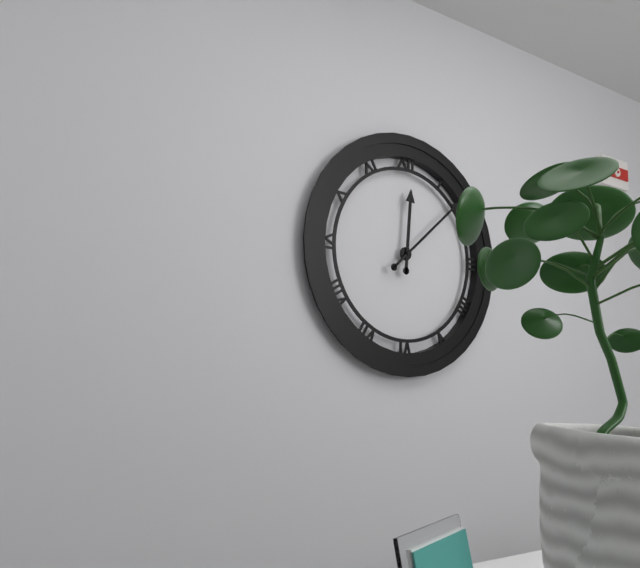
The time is 12,08
